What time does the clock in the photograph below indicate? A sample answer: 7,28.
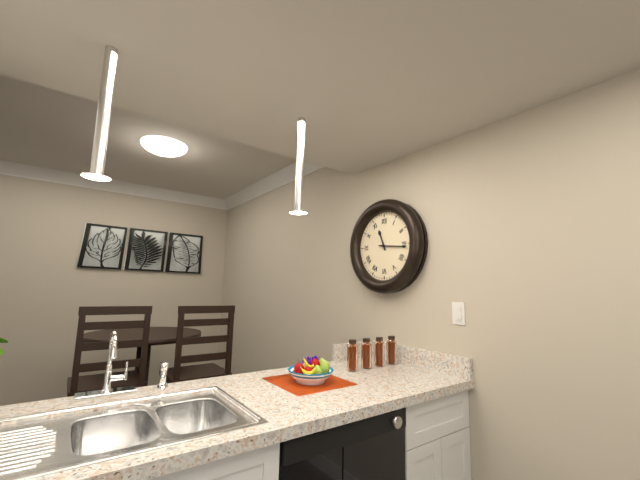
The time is 11,16
